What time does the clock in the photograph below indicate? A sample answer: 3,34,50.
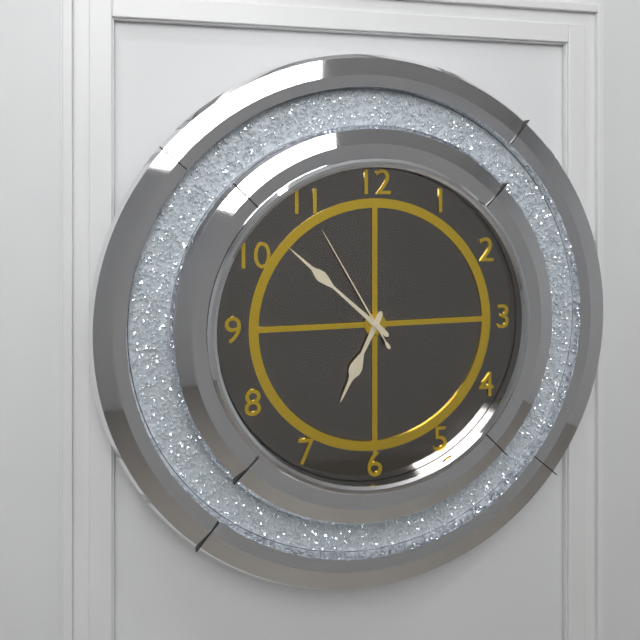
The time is 6,52,55
